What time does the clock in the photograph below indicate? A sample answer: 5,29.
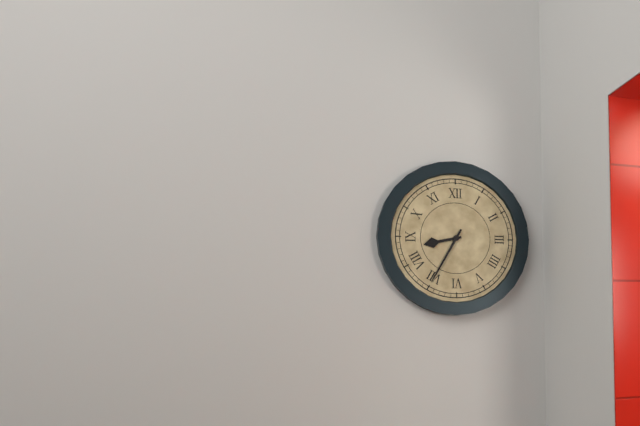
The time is 8,35
